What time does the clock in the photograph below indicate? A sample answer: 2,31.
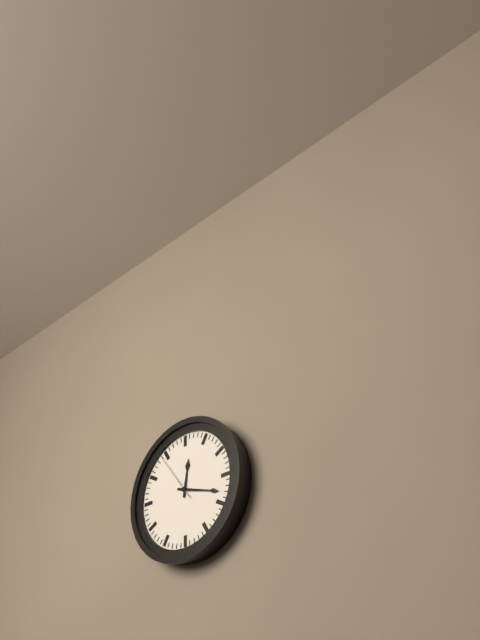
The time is 12,18
